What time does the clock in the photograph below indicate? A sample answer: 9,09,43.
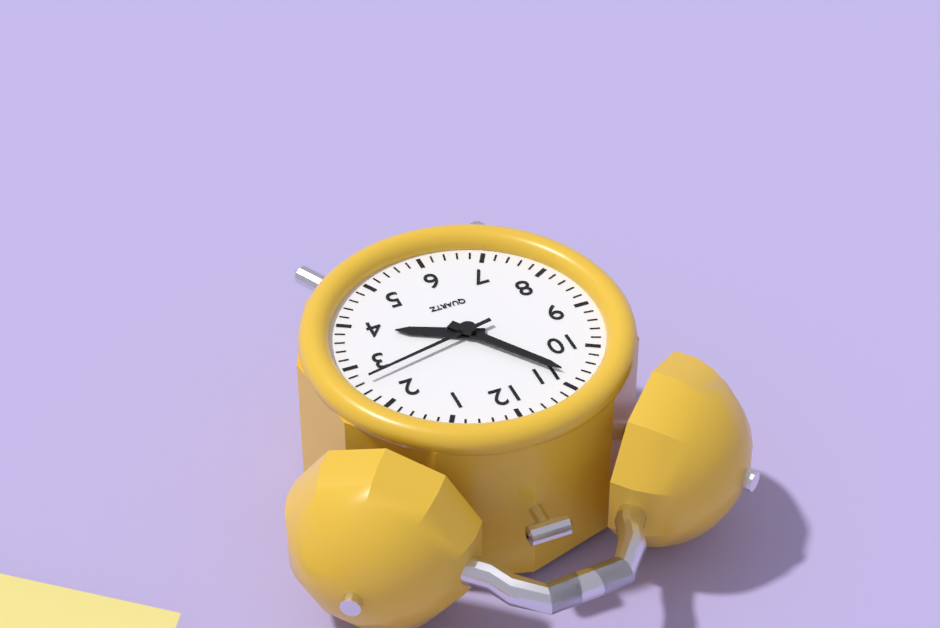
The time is 3,54,13
